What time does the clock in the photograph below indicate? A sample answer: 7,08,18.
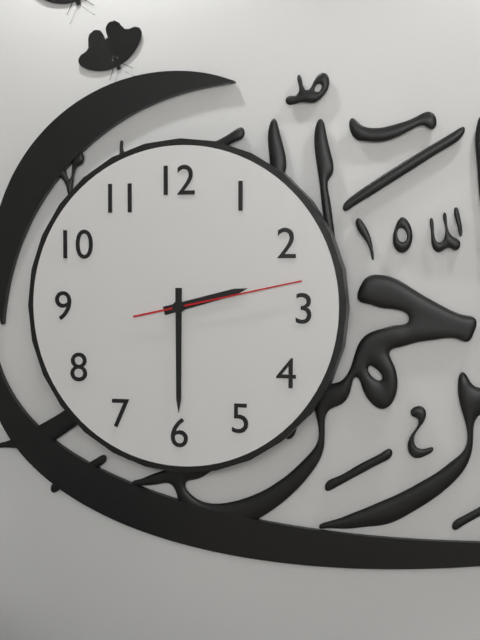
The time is 2,30,13
